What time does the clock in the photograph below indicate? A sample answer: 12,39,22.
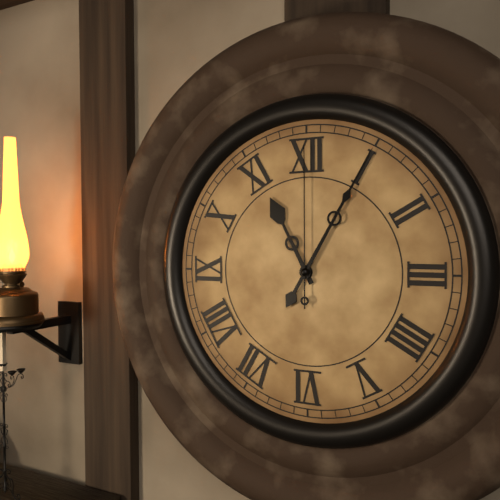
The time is 11,05,00
